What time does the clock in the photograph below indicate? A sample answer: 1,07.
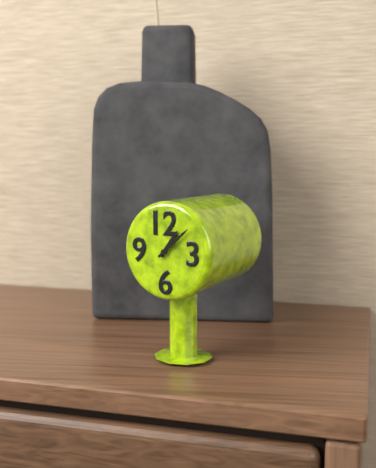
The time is 1,08
